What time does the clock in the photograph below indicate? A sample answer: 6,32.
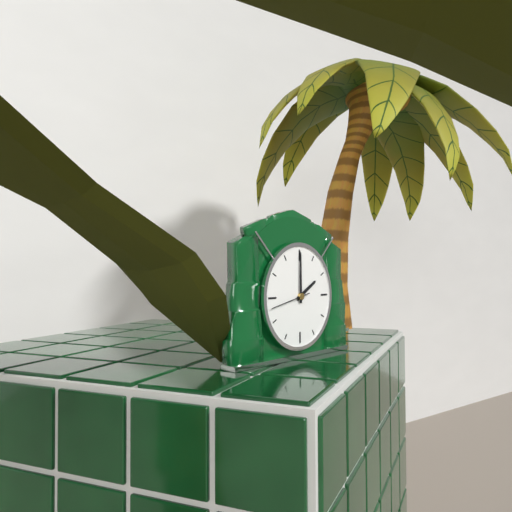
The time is 2,00
